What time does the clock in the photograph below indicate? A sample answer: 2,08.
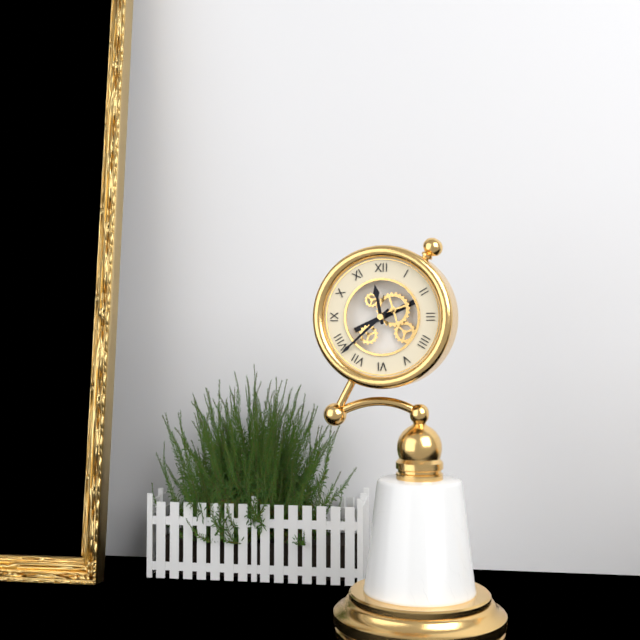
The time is 11,38
